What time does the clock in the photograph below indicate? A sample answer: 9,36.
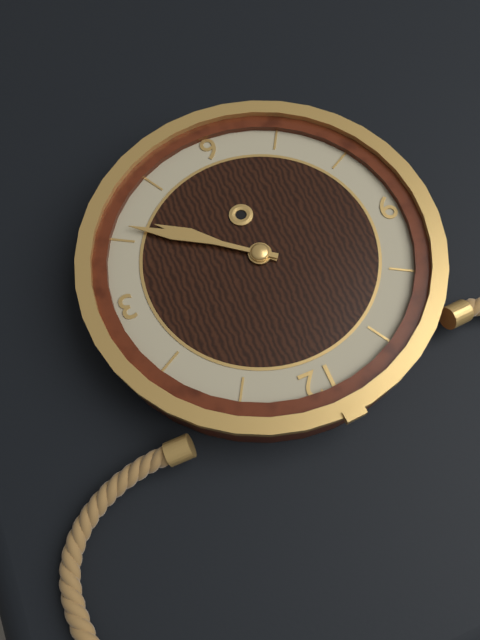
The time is 4,21
